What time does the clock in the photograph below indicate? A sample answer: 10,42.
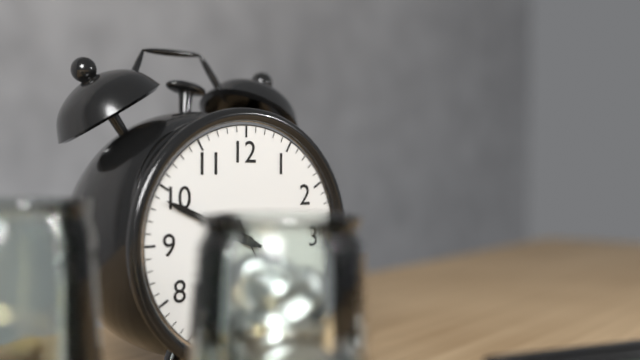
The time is 9,49
